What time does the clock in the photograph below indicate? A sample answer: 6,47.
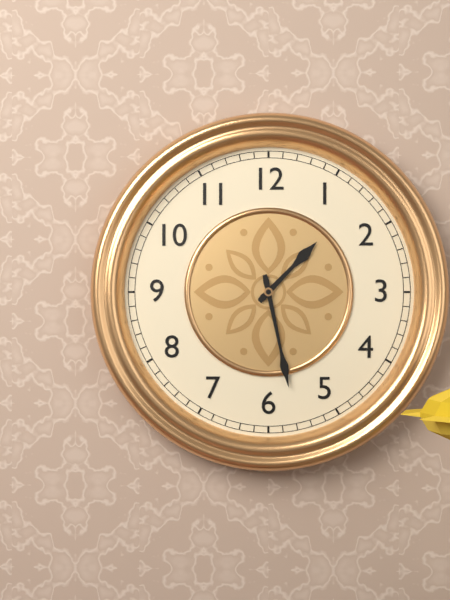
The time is 1,28
